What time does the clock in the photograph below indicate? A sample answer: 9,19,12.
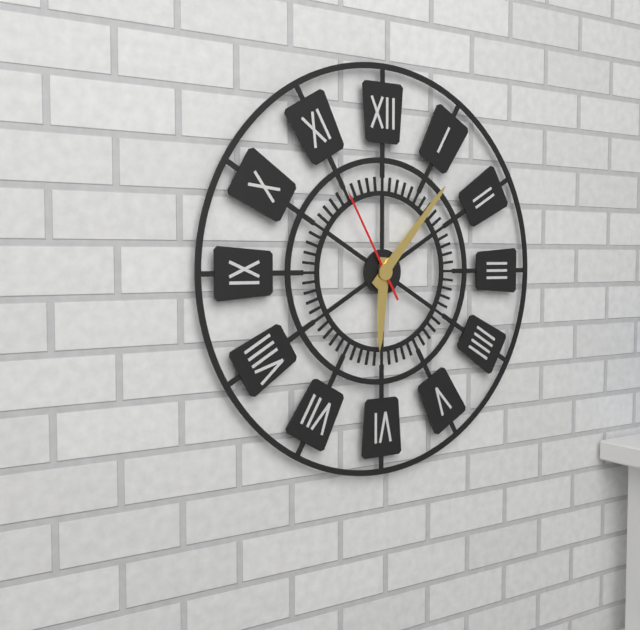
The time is 6,07,55
